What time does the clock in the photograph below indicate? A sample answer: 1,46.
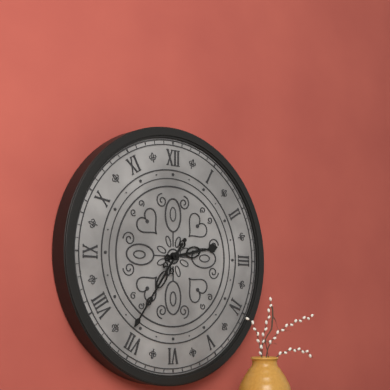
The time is 2,36
